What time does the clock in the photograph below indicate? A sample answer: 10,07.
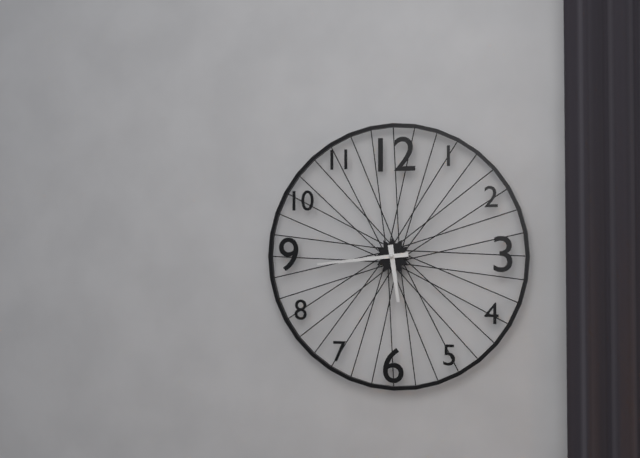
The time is 5,44
